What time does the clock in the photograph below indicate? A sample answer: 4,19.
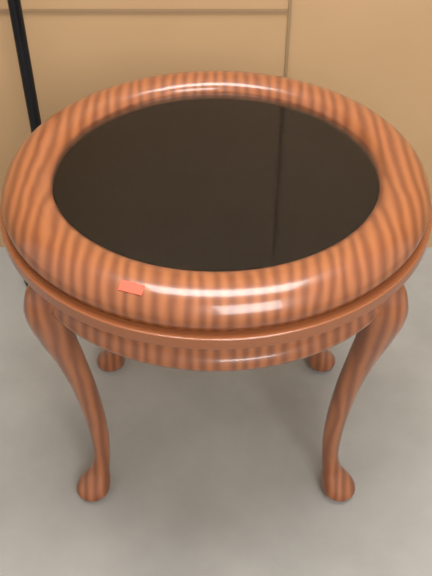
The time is 5,51
